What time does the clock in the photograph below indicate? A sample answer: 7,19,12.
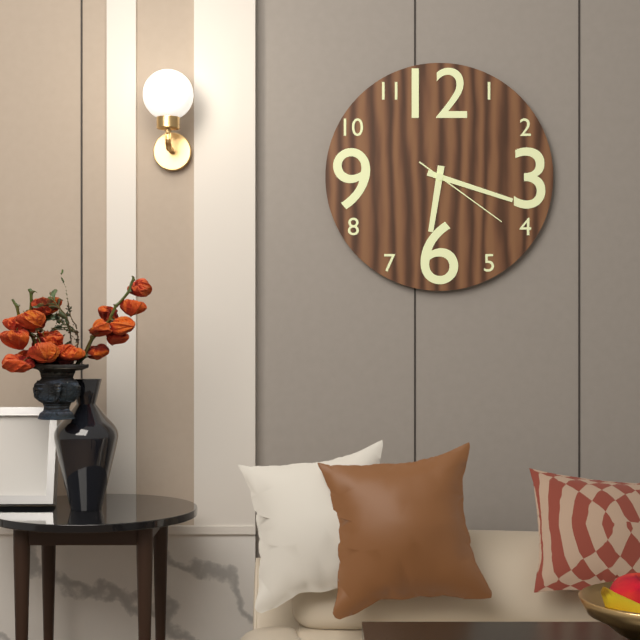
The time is 6,18,21
